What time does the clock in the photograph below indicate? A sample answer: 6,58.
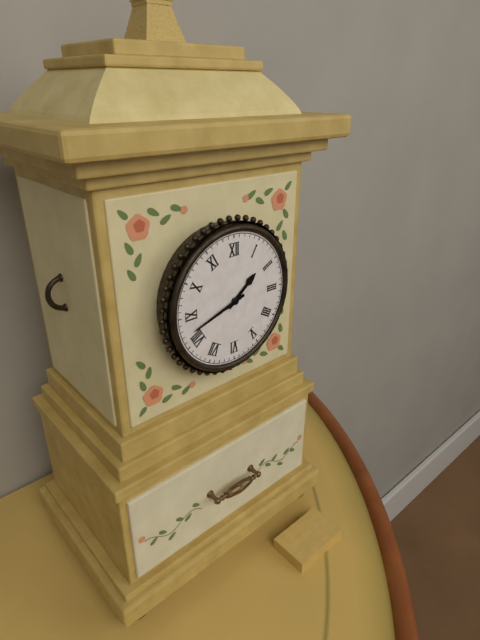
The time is 1,42
